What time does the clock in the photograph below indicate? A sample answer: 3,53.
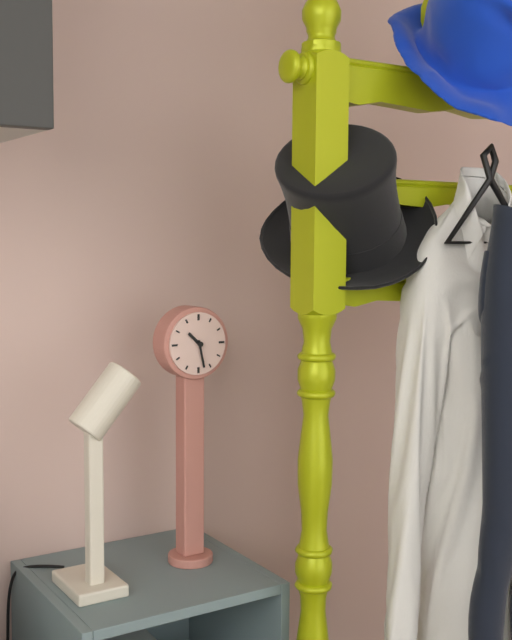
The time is 10,28
